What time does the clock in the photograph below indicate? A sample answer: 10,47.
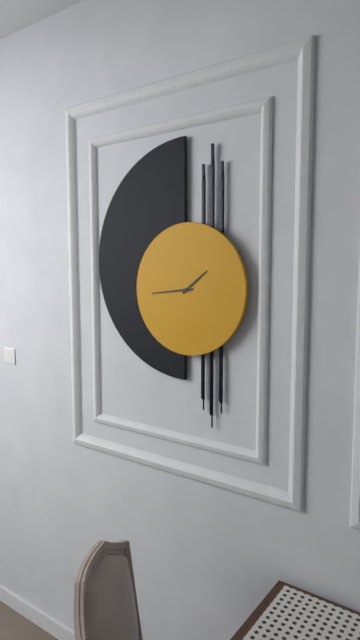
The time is 1,44
